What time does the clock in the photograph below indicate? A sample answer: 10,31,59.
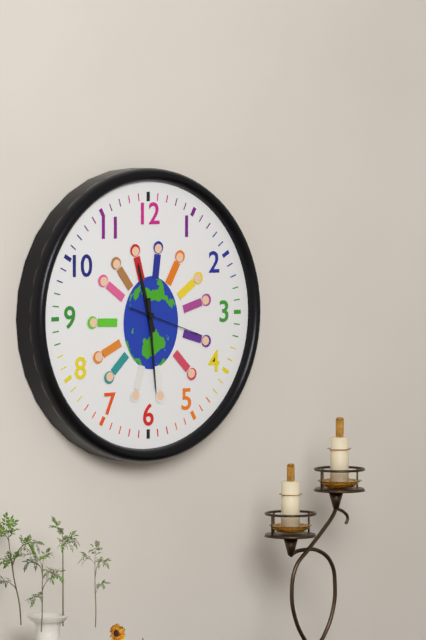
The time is 11,29,18
